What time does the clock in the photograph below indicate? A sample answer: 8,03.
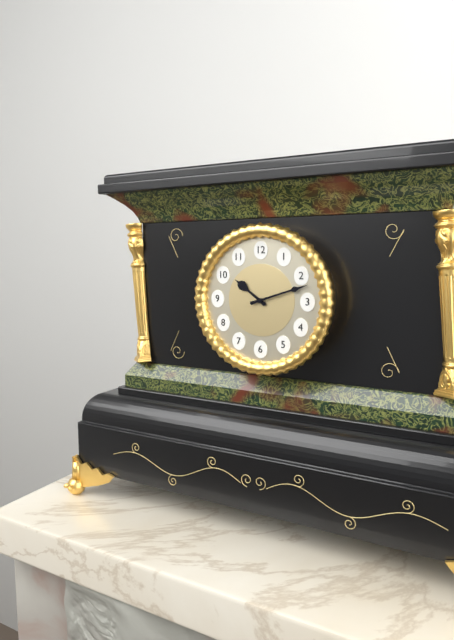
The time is 10,12
